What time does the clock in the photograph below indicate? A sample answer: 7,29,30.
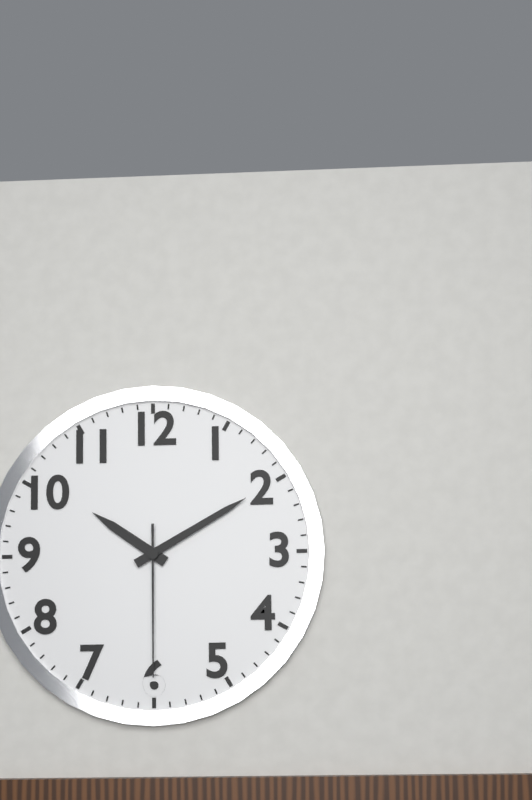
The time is 10,10,30
